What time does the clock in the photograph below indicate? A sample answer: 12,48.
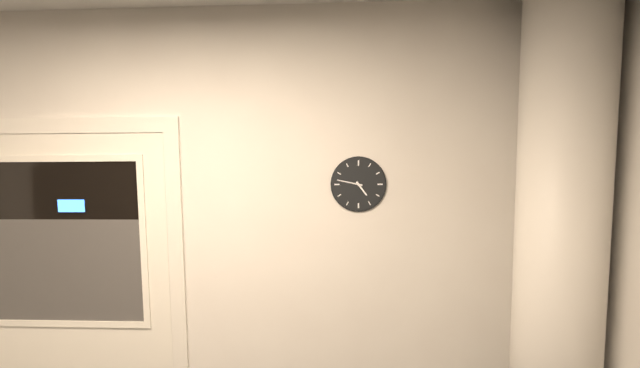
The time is 4,47
